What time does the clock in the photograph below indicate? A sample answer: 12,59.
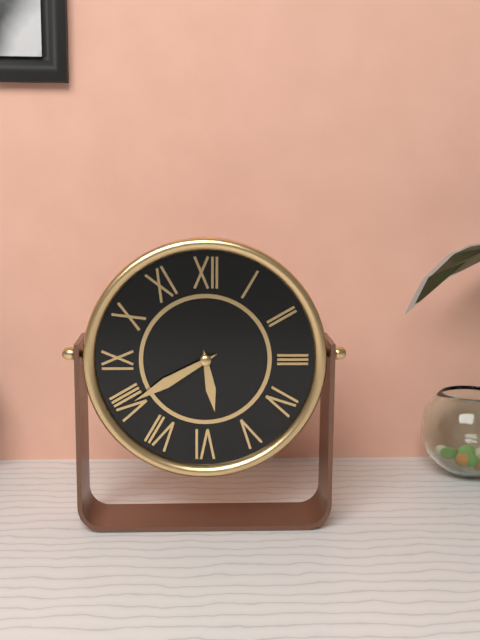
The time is 5,40
